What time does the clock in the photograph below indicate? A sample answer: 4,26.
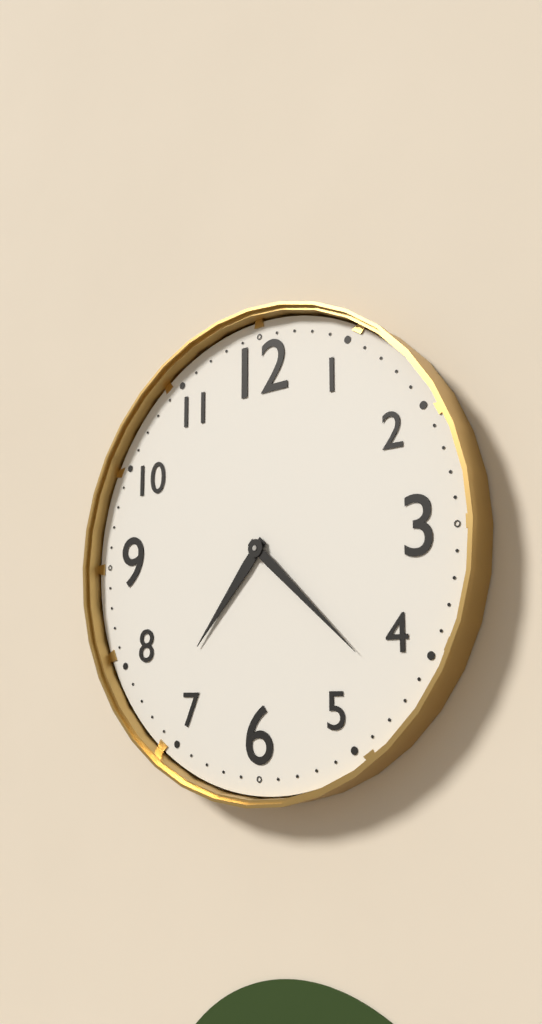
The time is 7,22
